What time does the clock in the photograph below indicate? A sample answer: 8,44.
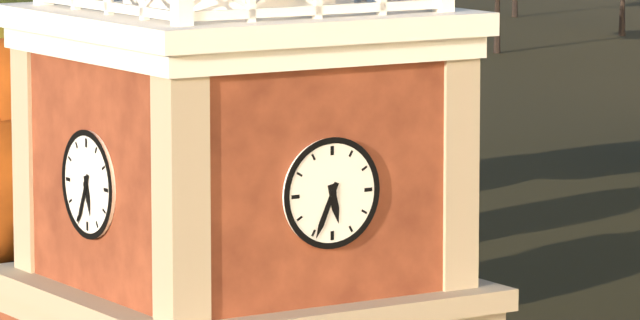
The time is 5,34
